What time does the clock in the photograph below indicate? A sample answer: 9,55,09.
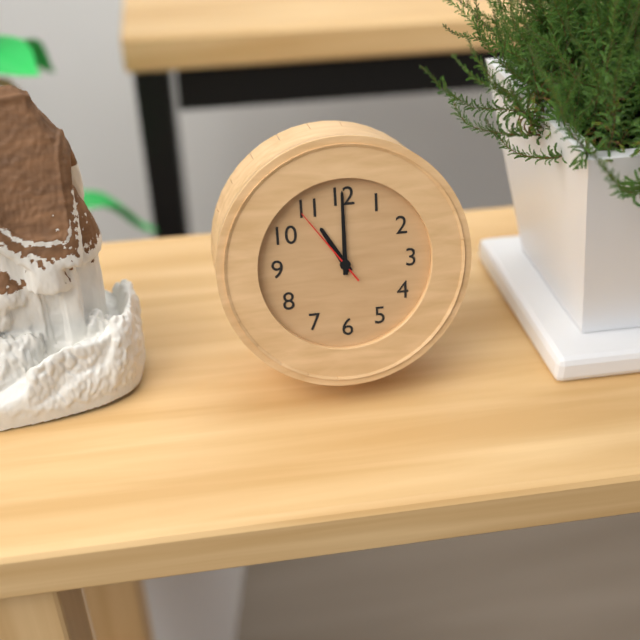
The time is 11,00,54
